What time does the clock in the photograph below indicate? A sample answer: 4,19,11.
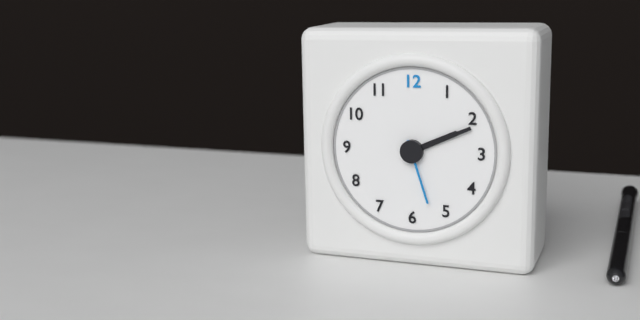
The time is 2,11,27
